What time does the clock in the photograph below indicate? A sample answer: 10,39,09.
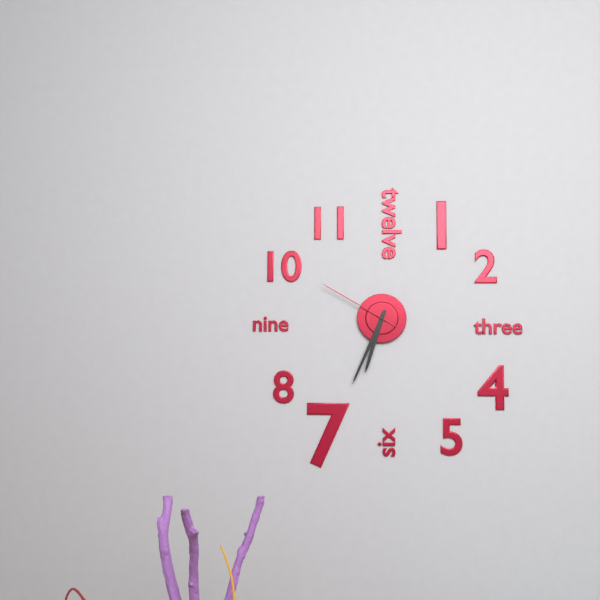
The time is 6,34,50
